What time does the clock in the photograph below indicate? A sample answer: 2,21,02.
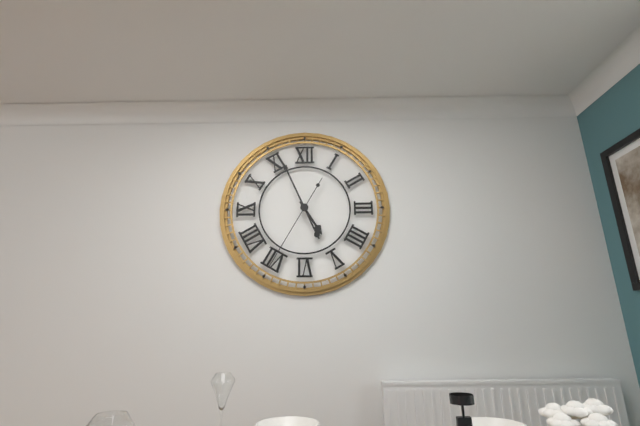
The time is 4,56,35
